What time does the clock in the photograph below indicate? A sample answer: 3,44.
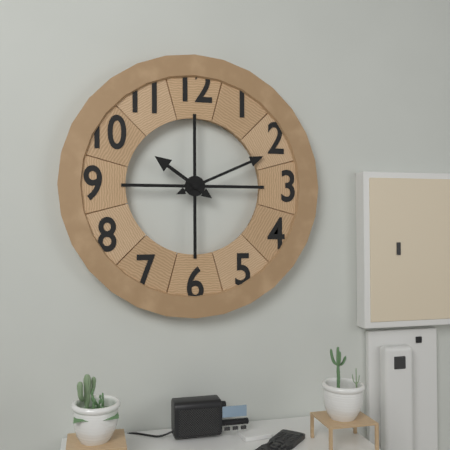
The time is 10,11
